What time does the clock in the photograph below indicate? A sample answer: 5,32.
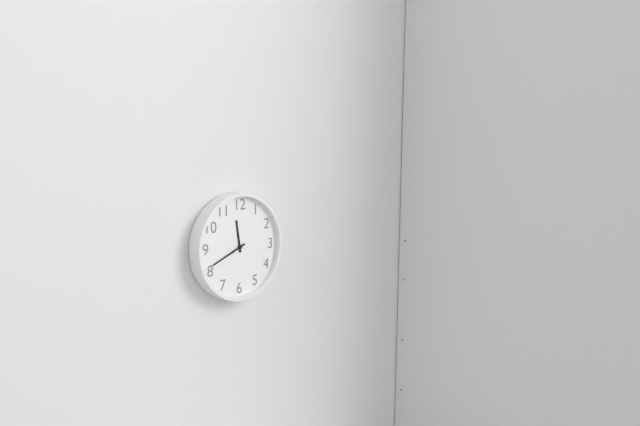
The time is 11,41
